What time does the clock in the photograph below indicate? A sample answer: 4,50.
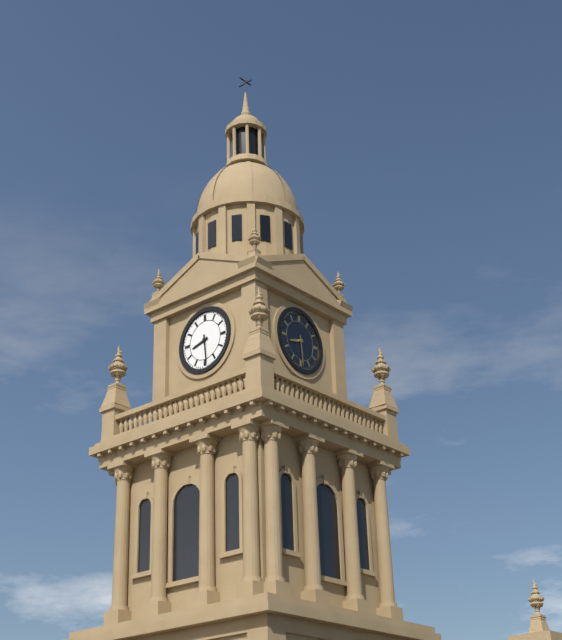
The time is 8,29
